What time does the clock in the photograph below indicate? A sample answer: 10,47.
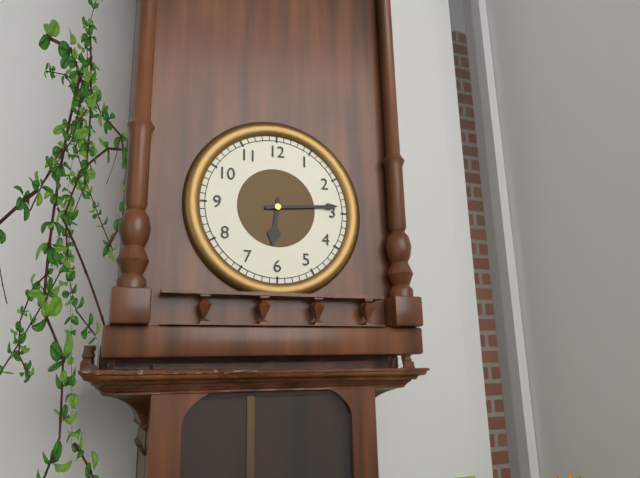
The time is 6,14
